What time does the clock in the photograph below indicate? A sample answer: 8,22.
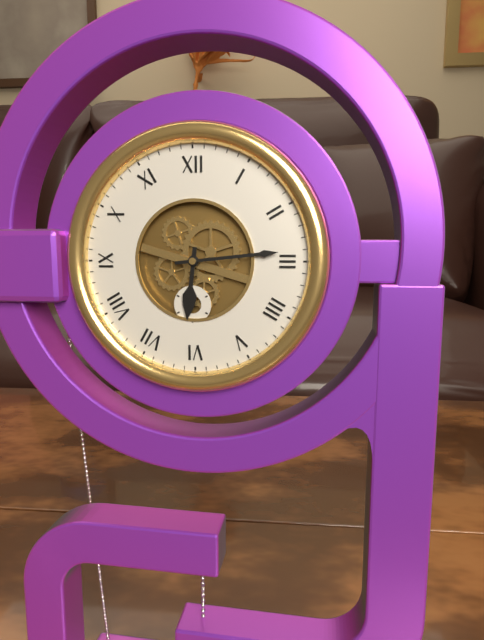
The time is 6,14
